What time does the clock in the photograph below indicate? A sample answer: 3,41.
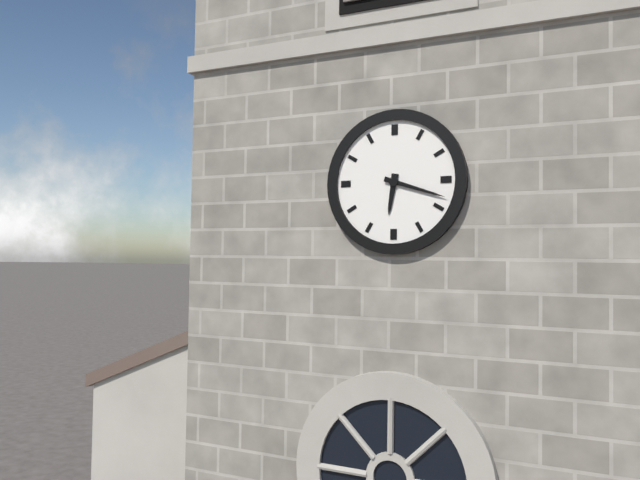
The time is 6,18
